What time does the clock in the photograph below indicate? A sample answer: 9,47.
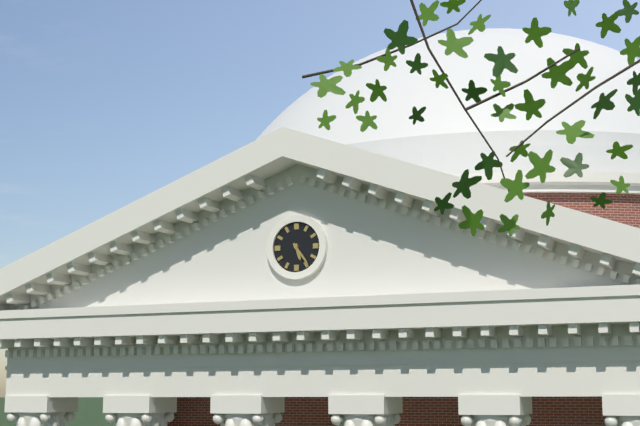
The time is 5,24
